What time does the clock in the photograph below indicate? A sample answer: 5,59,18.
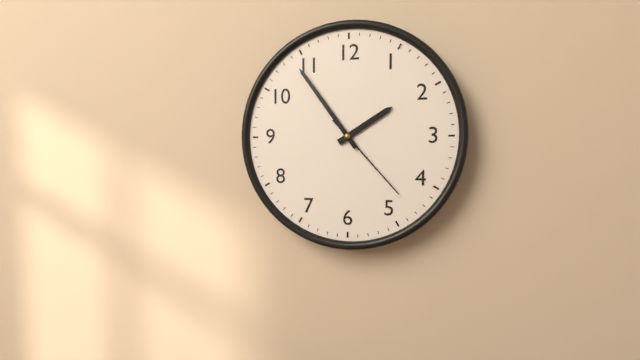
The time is 1,54,23
